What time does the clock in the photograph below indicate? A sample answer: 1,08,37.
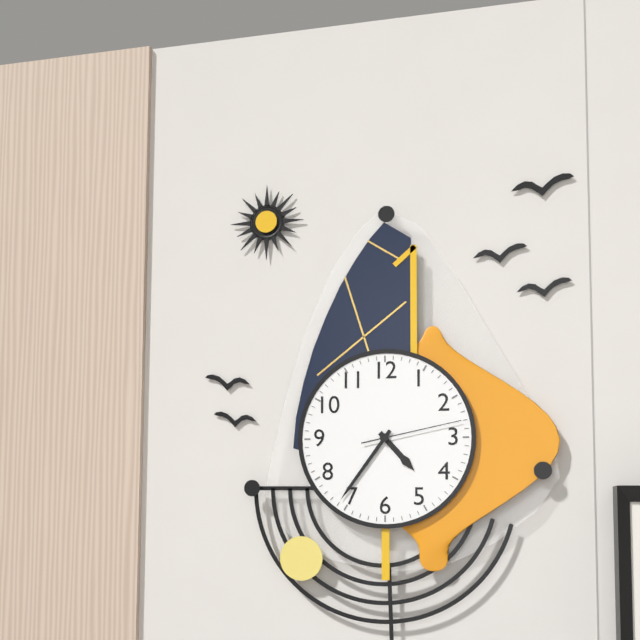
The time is 4,36,13
